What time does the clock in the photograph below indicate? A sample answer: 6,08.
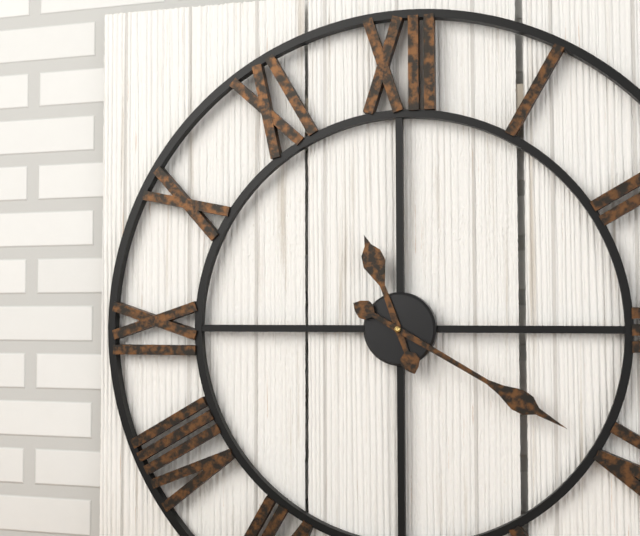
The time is 11,20
